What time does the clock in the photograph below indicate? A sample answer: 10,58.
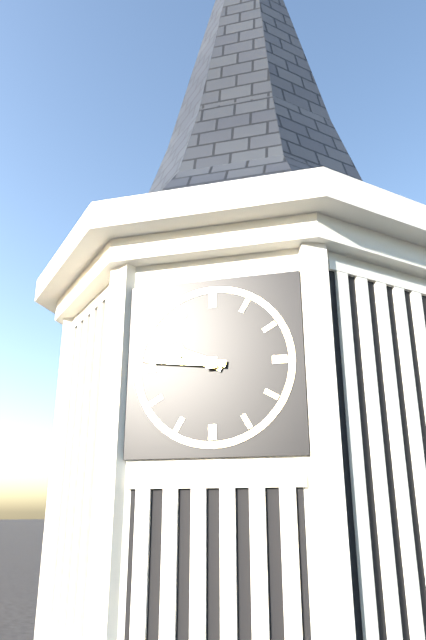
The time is 9,46
